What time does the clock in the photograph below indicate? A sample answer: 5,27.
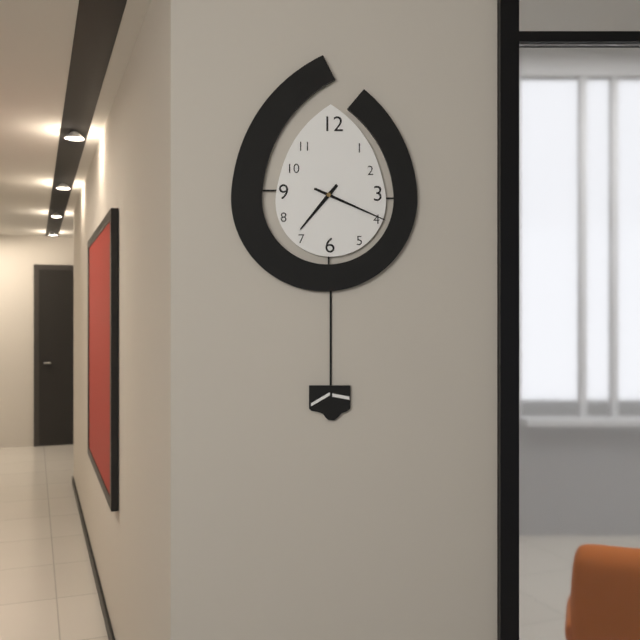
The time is 7,19
